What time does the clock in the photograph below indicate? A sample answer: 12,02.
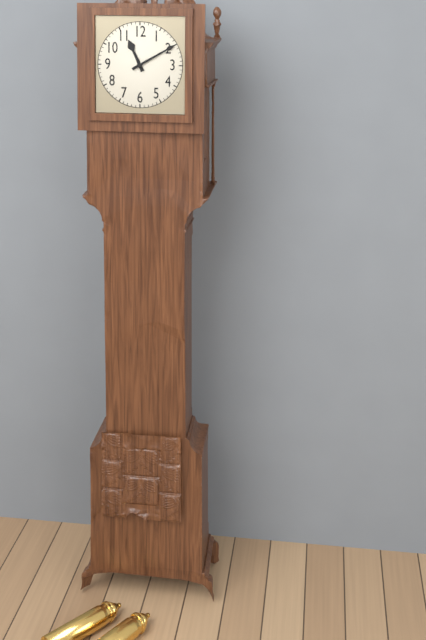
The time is 11,10
